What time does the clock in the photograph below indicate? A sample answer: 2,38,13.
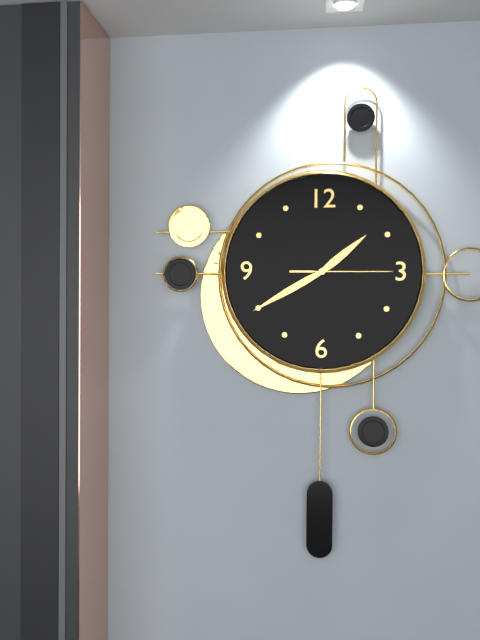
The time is 1,40,15
